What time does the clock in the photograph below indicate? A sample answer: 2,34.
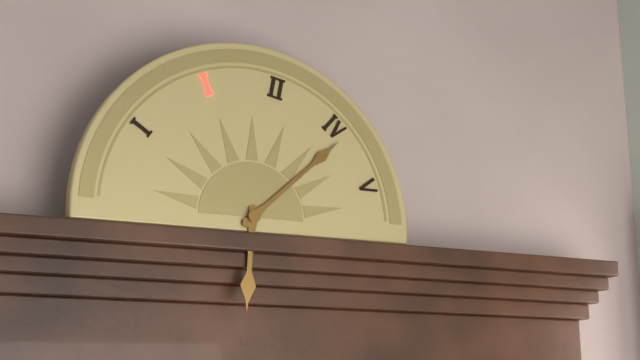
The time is 6,08
